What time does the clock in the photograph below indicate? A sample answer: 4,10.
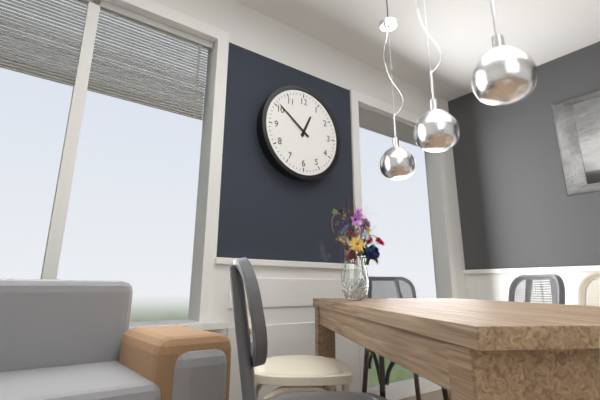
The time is 12,51
